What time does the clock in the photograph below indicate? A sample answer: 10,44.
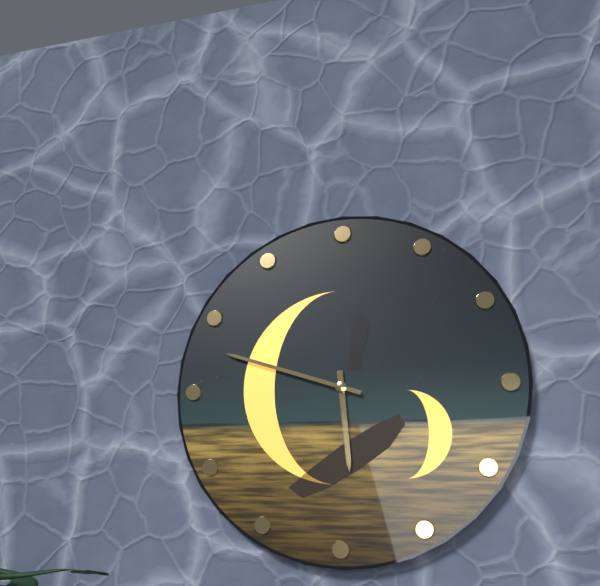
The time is 5,48
